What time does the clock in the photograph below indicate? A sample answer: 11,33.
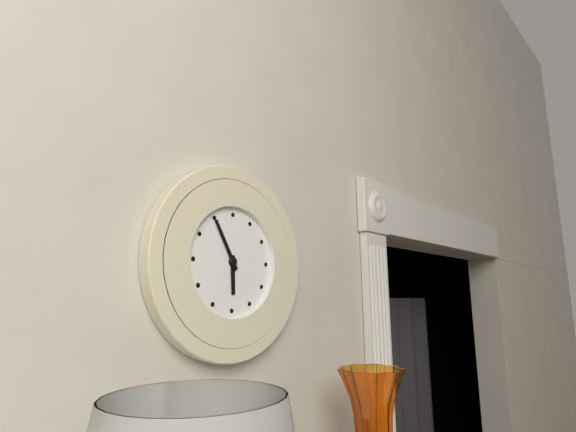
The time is 5,55
